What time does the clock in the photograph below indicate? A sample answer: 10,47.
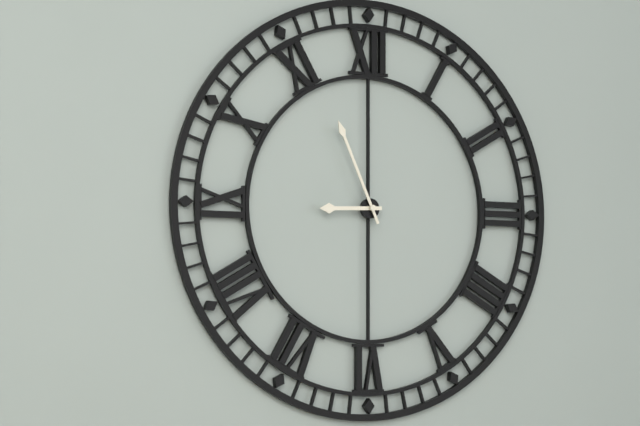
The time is 8,56
